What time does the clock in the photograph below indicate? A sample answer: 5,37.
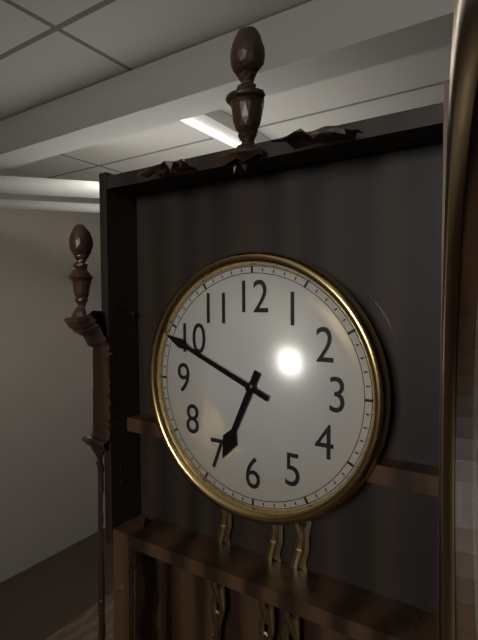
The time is 6,49
